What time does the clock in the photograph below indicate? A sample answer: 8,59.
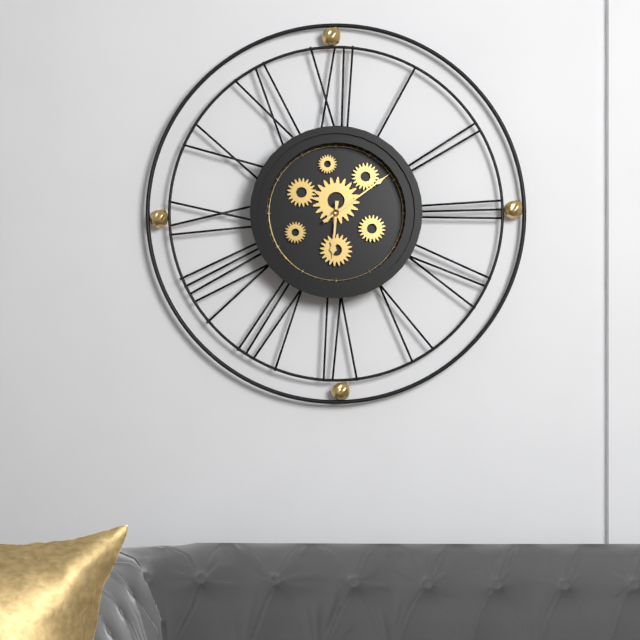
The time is 6,09
